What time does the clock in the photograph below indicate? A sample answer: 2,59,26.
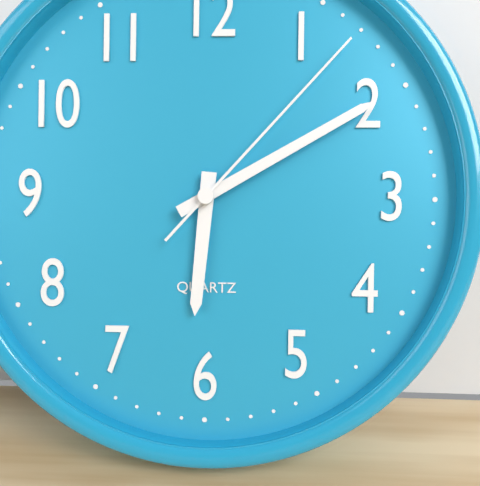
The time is 6,10,07
